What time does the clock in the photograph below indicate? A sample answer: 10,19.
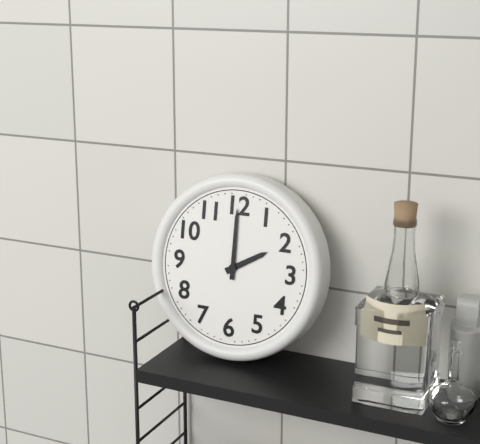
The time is 2,00
